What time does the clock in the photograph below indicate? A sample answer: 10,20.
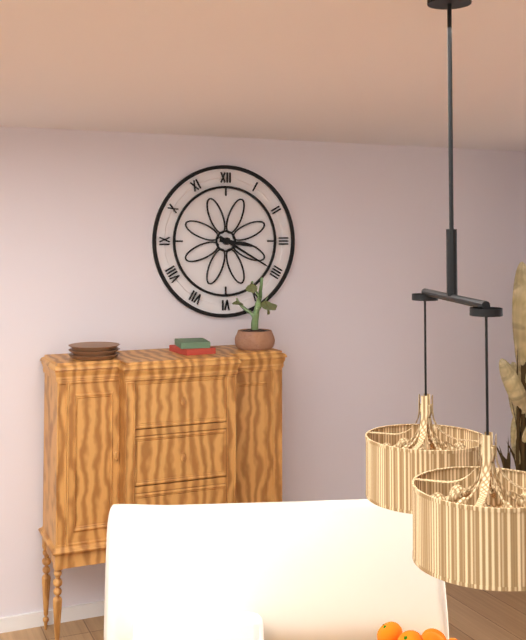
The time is 3,20
